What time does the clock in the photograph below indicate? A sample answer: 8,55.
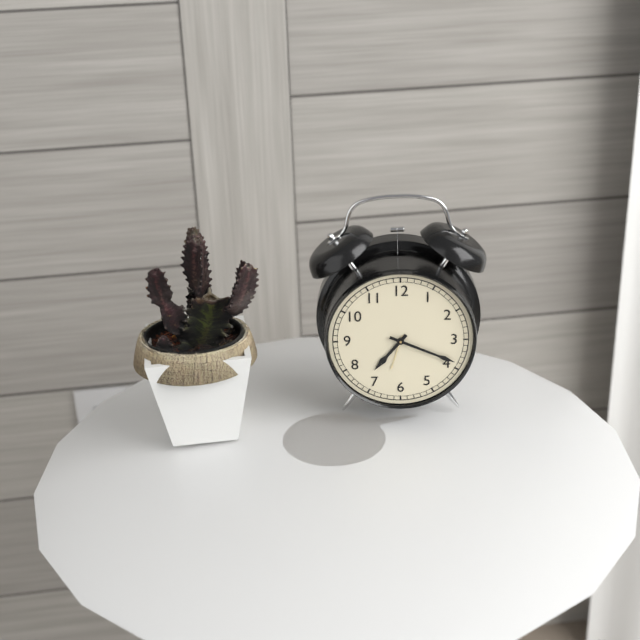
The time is 7,19
